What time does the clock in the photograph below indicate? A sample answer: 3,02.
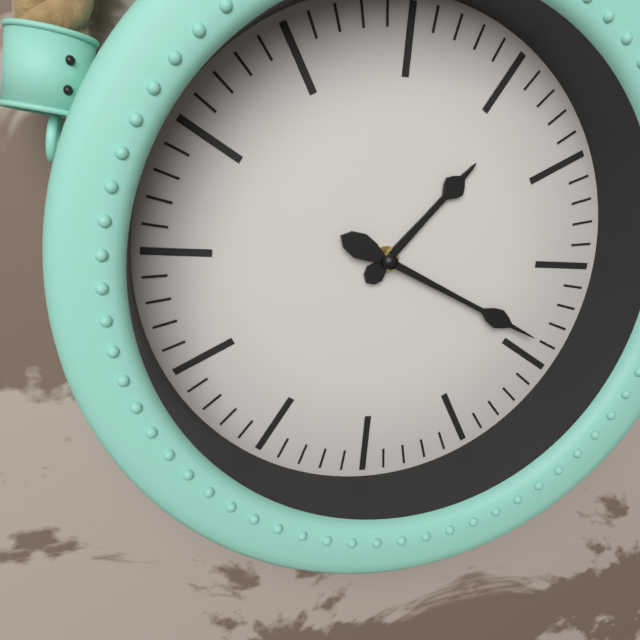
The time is 1,19
